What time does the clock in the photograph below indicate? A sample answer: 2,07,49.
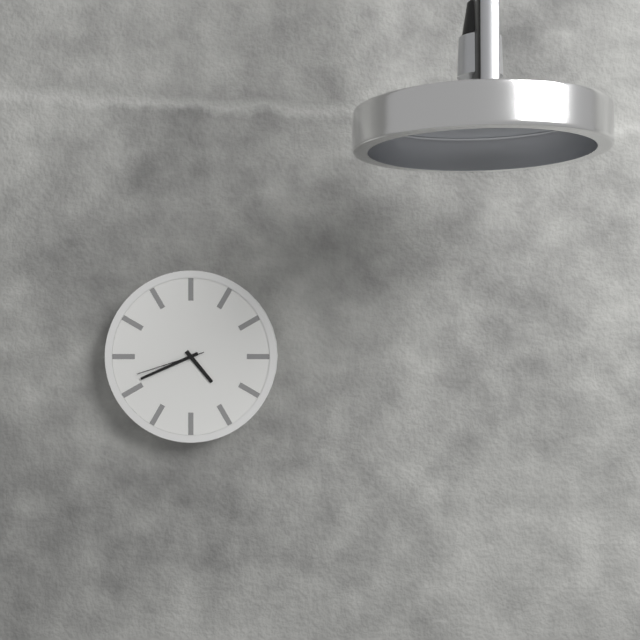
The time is 4,41,42
